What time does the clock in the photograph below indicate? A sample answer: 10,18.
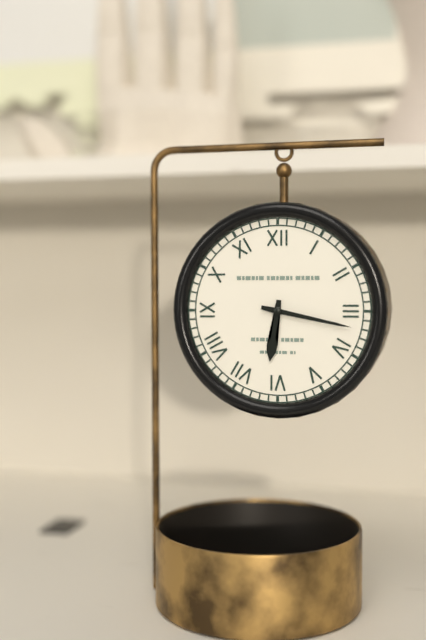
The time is 6,17
